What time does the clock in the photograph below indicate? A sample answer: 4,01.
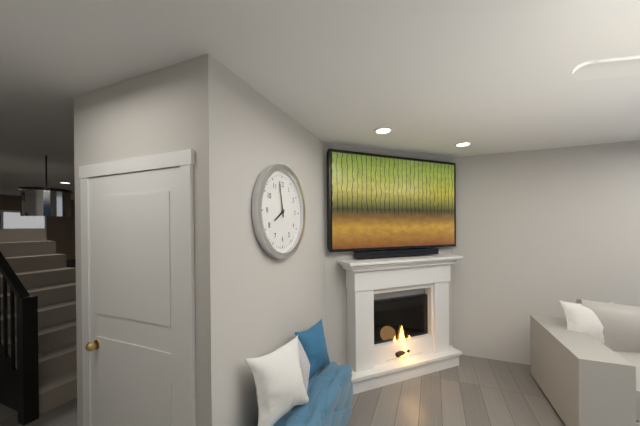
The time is 7,58
